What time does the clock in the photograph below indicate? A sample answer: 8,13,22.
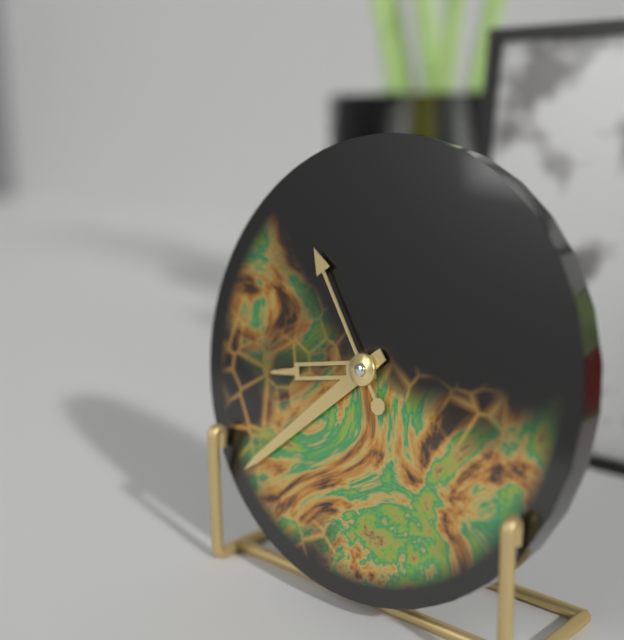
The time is 8,38,54
